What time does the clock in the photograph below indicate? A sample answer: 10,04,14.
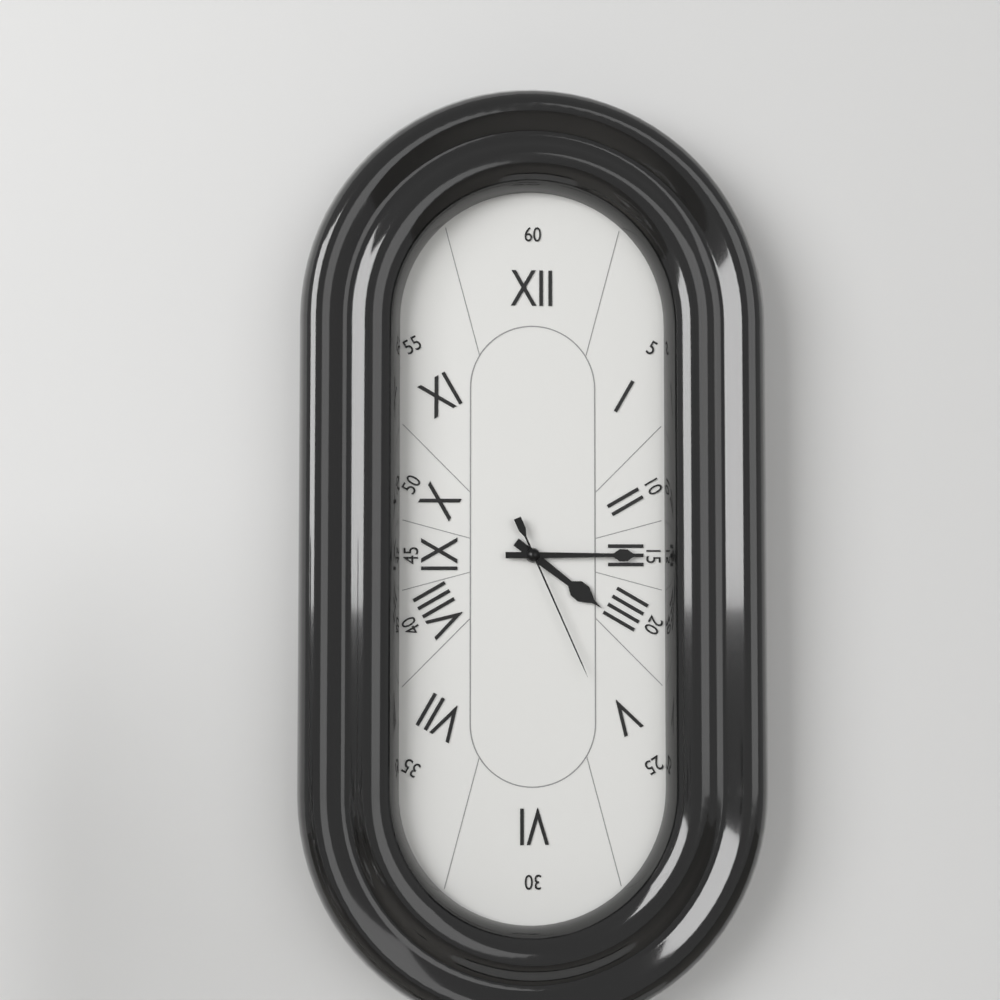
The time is 4,15,26
